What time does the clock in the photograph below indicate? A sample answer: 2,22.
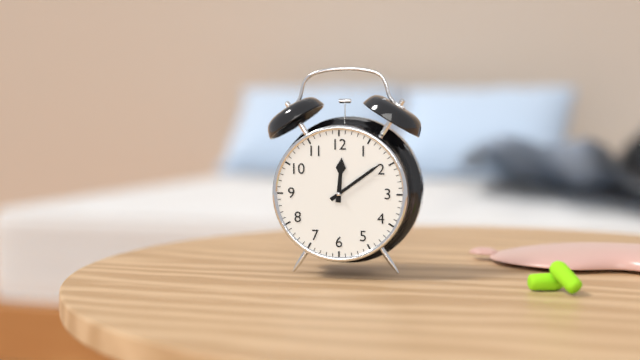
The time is 12,09
